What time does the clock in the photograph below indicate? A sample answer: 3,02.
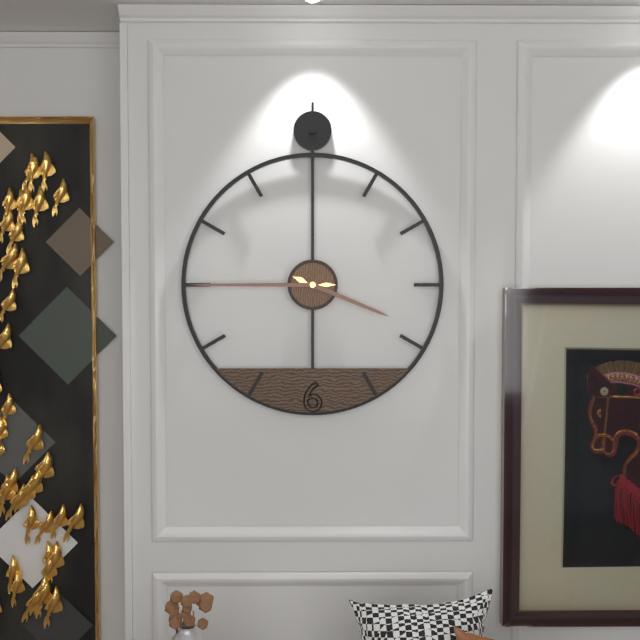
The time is 3,45
